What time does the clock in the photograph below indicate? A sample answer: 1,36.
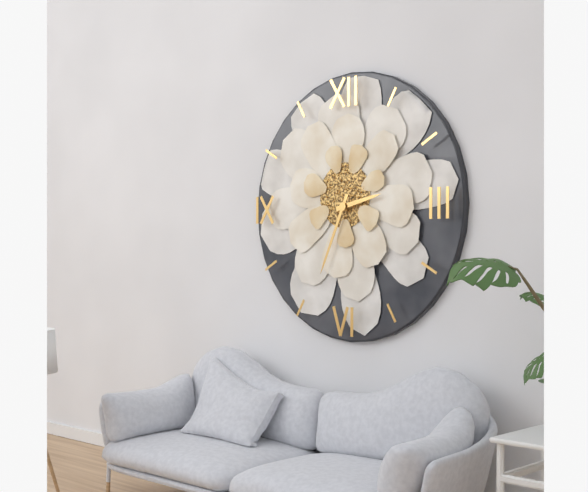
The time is 2,34
